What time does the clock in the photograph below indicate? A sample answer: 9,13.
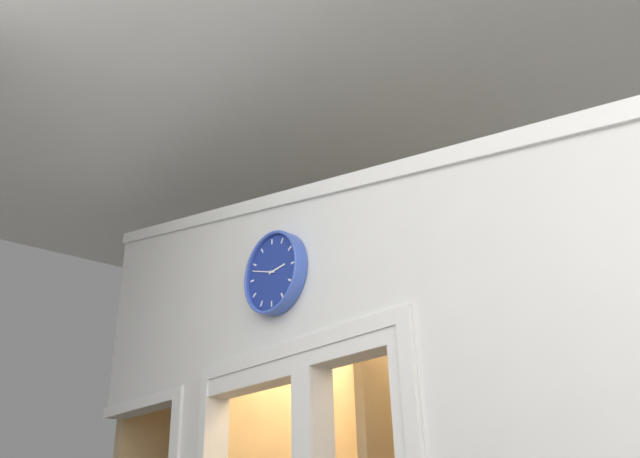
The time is 2,48
